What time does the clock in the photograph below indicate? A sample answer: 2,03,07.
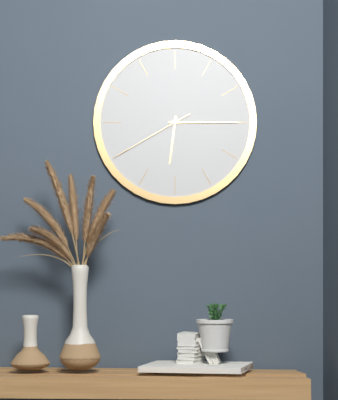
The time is 6,15,40
